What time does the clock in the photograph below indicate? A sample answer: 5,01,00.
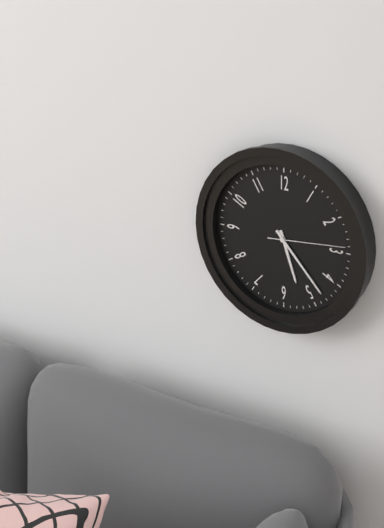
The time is 5,23,14
